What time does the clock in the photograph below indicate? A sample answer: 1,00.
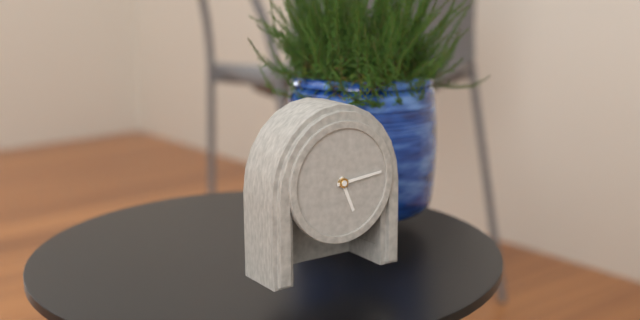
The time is 5,14
